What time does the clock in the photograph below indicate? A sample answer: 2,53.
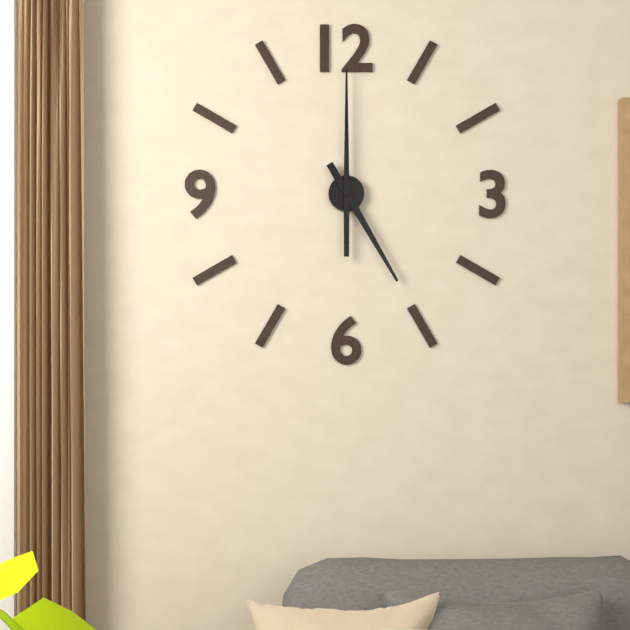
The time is 5,00
